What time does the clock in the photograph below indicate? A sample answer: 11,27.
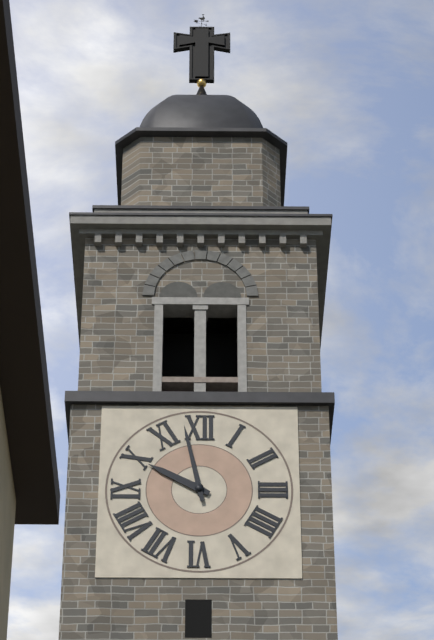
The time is 9,58
